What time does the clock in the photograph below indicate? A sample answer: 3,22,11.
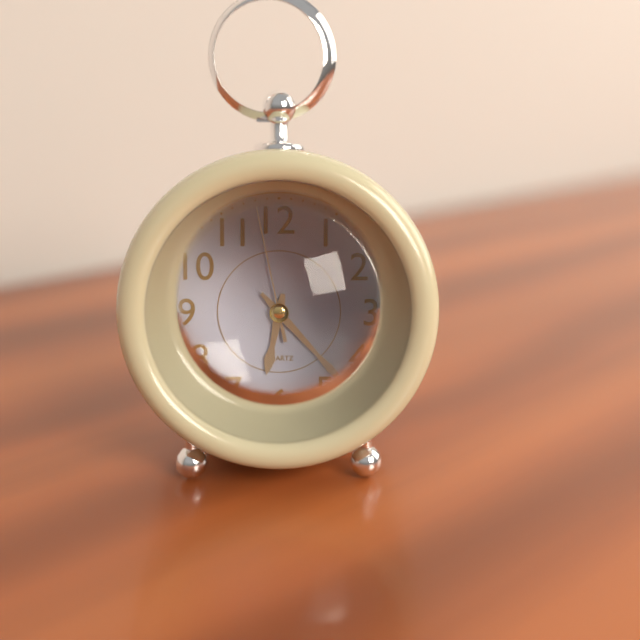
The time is 6,23,58
